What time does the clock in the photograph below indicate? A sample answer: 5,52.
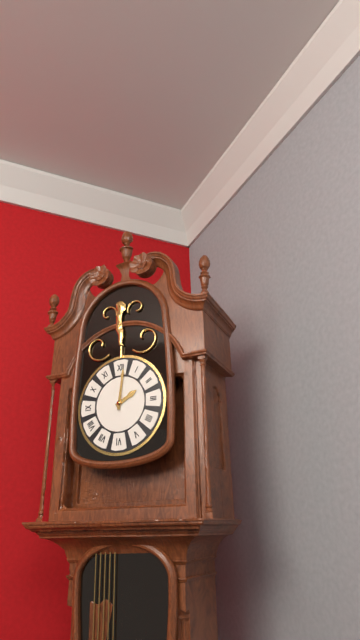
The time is 2,01
